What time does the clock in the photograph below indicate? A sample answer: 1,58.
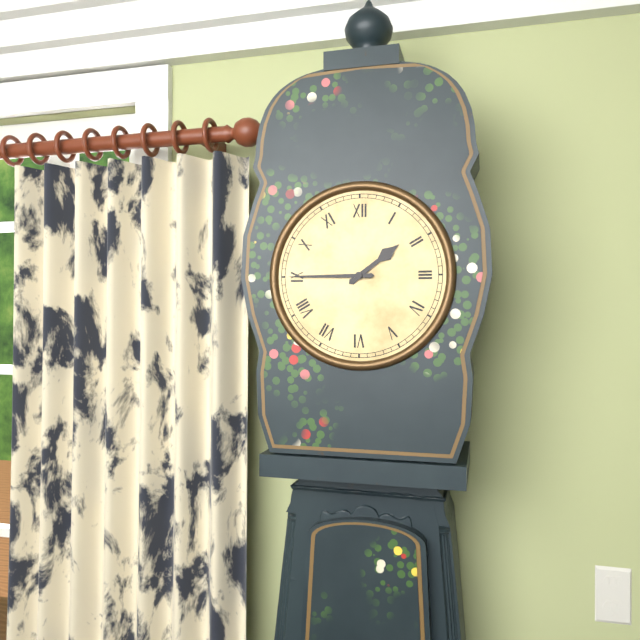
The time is 1,45
